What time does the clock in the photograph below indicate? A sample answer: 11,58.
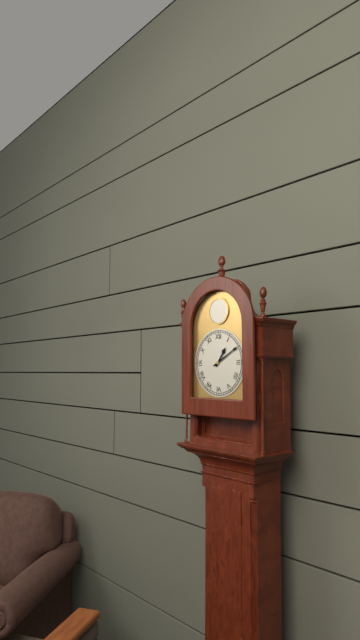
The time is 1,10
